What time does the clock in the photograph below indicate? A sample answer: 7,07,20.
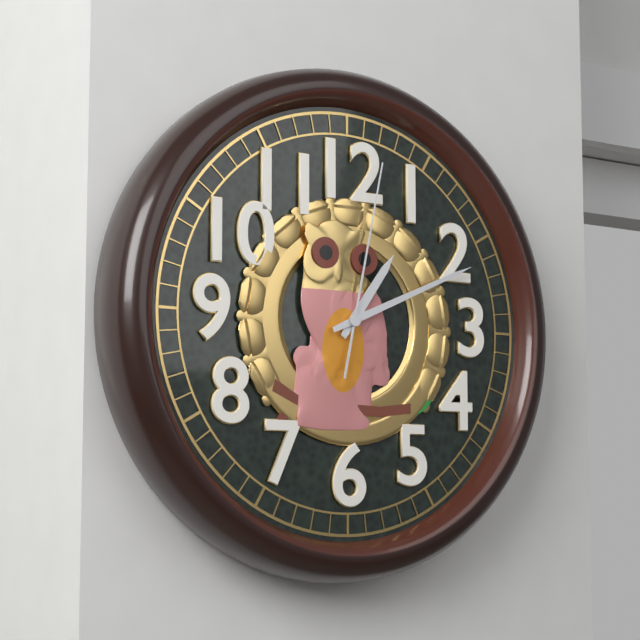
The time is 1,11,02
